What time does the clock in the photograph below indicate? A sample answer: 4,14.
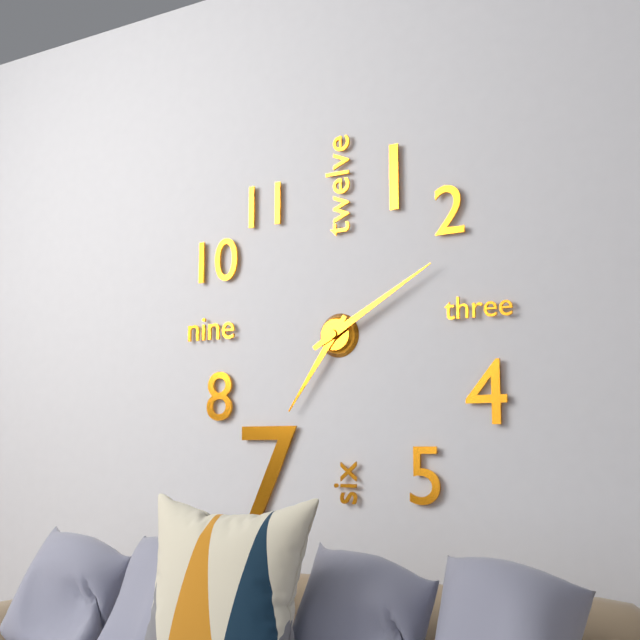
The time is 7,10
